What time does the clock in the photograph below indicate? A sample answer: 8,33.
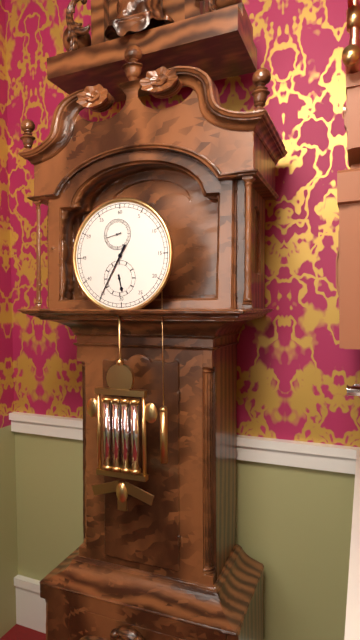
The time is 5,35
